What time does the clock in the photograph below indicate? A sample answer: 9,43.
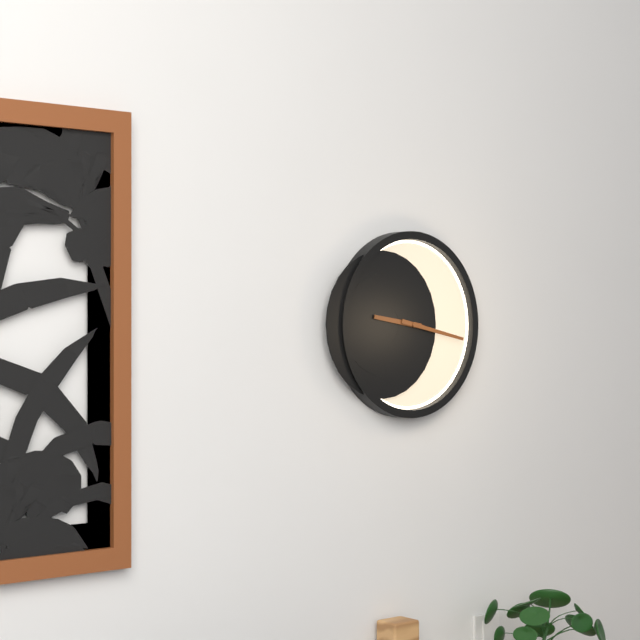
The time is 9,17
